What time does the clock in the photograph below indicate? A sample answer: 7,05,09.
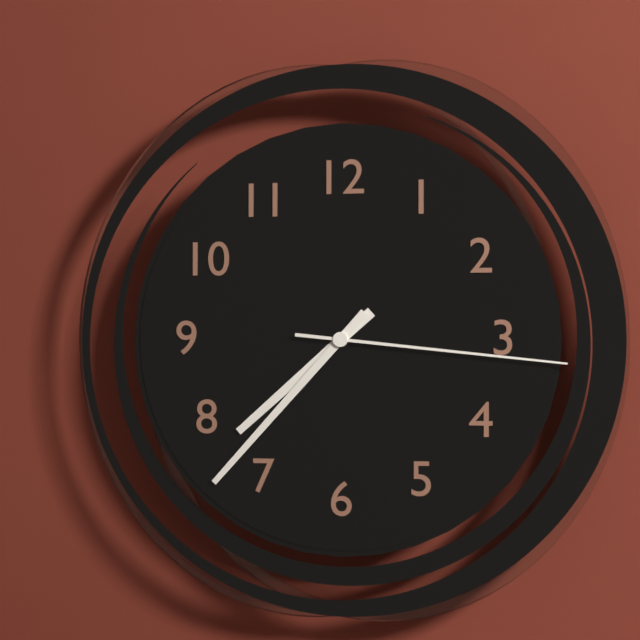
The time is 7,37,16
